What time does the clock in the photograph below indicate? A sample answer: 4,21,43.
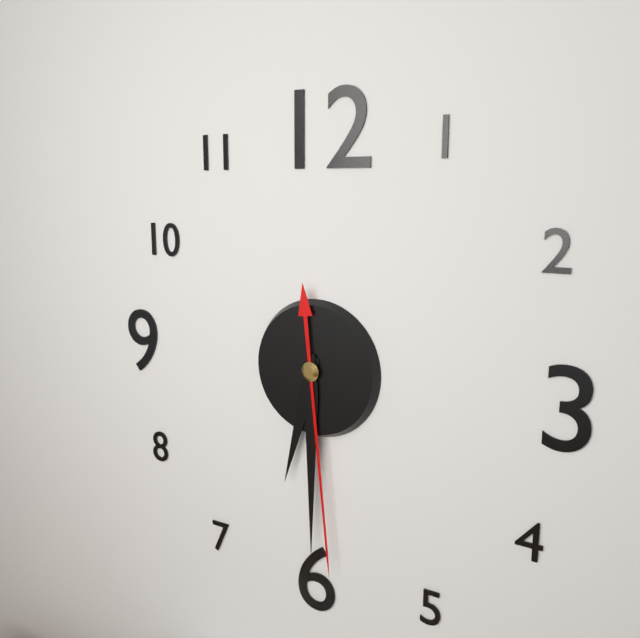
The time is 6,30,29
